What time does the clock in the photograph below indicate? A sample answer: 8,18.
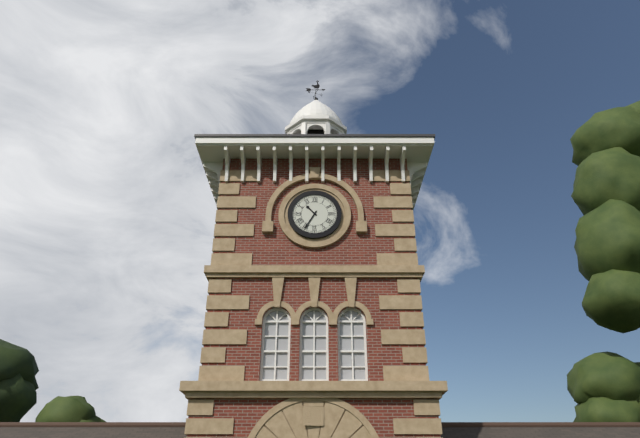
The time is 10,35
